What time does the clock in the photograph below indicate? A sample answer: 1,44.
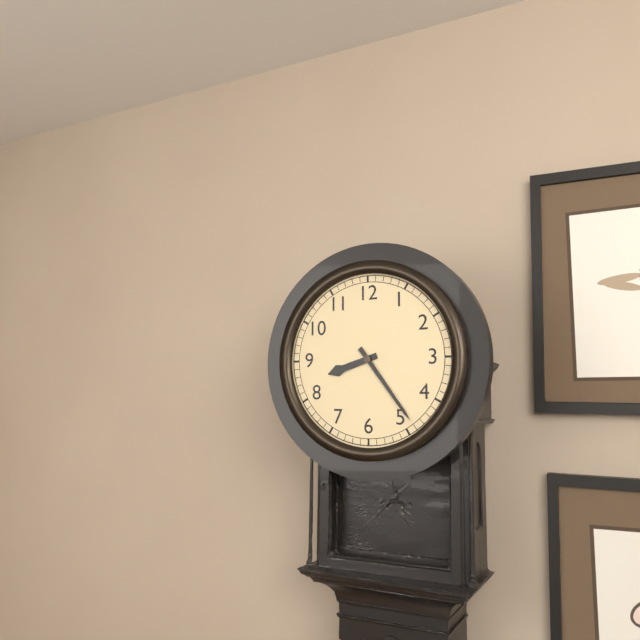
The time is 8,24
